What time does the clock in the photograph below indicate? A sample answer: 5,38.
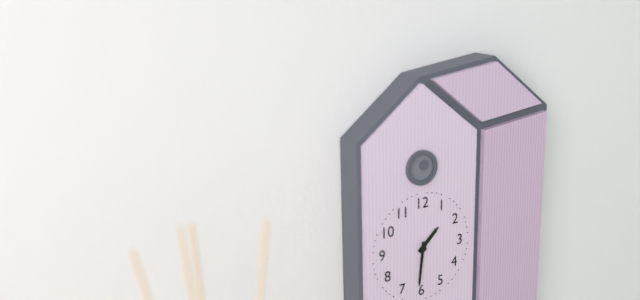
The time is 1,31
